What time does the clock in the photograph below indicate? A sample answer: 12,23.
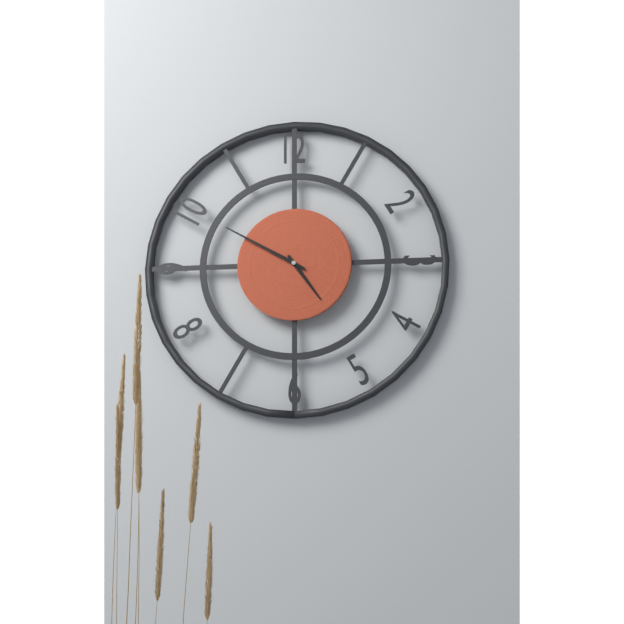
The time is 4,50
